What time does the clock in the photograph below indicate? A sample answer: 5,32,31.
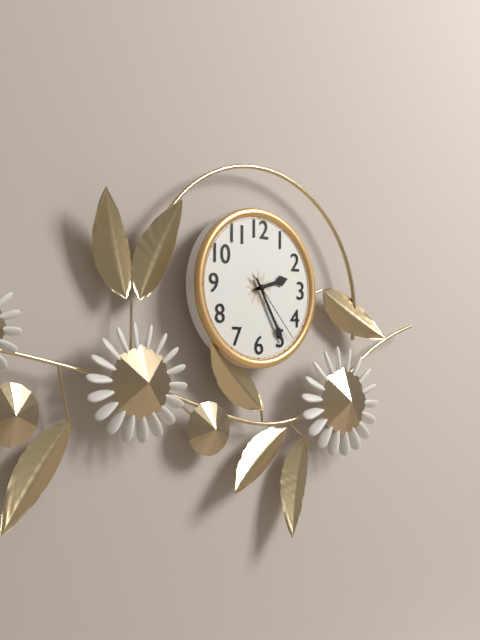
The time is 2,25,23
